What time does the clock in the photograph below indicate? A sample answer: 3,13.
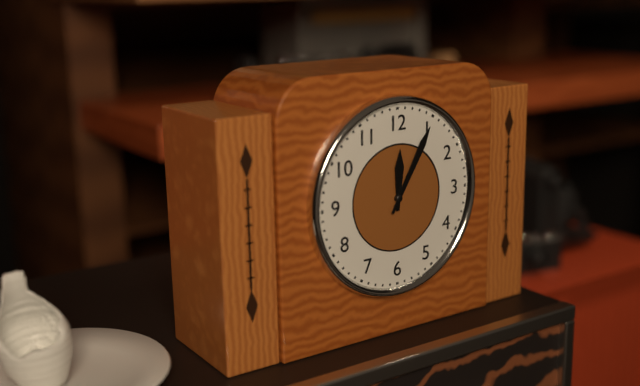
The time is 12,05
